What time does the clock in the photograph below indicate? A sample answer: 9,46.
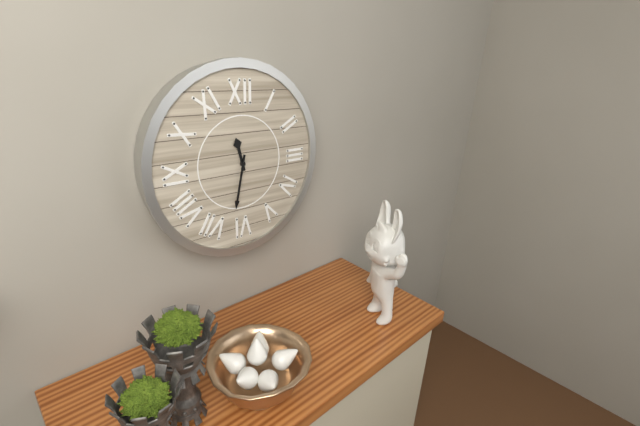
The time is 11,32
